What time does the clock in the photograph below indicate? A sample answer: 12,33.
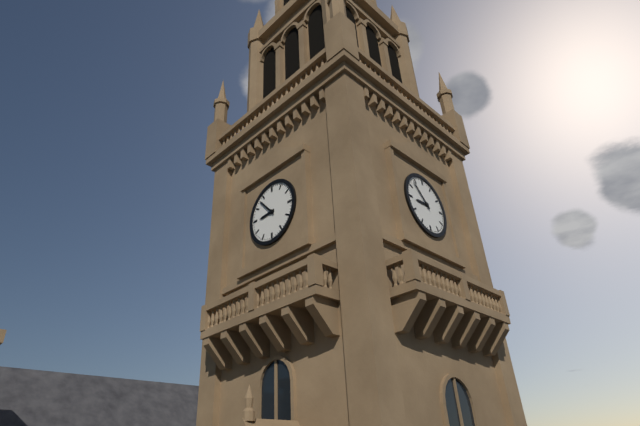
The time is 8,53
